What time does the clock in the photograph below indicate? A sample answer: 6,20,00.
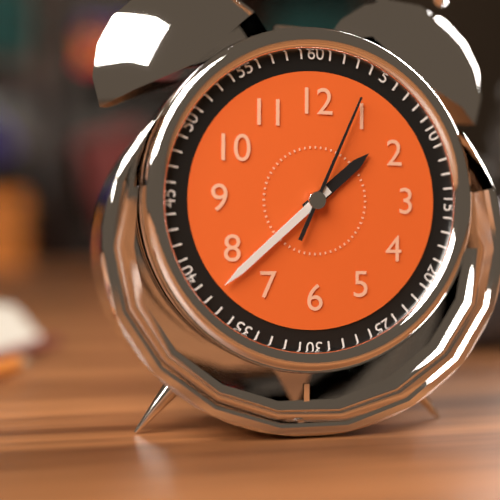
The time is 1,38,04
